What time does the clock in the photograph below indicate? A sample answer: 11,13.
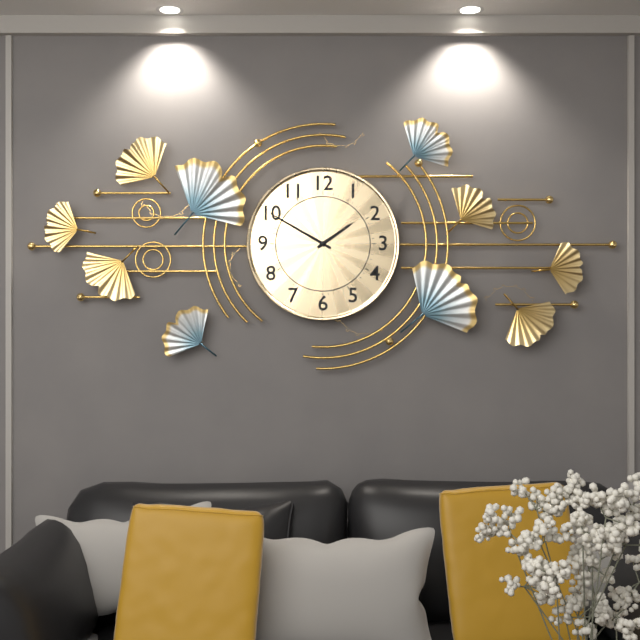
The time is 1,50
